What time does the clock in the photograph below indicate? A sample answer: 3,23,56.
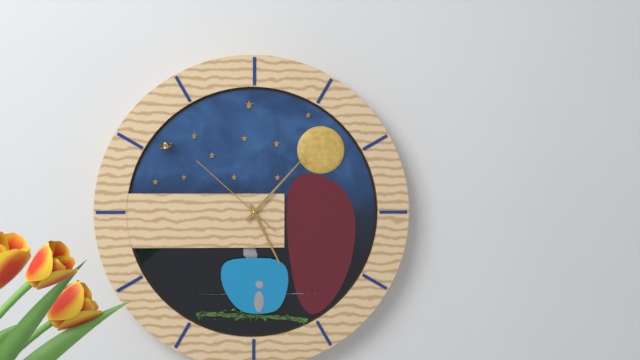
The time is 5,07,52
